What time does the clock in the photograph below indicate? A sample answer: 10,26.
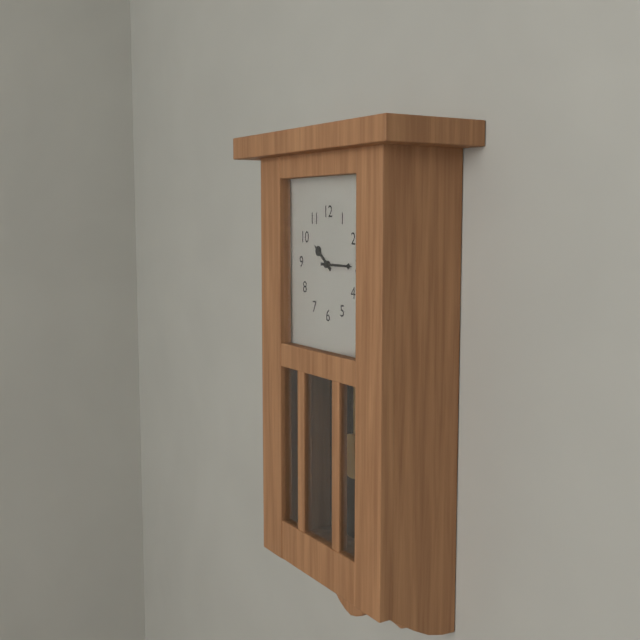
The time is 10,15
